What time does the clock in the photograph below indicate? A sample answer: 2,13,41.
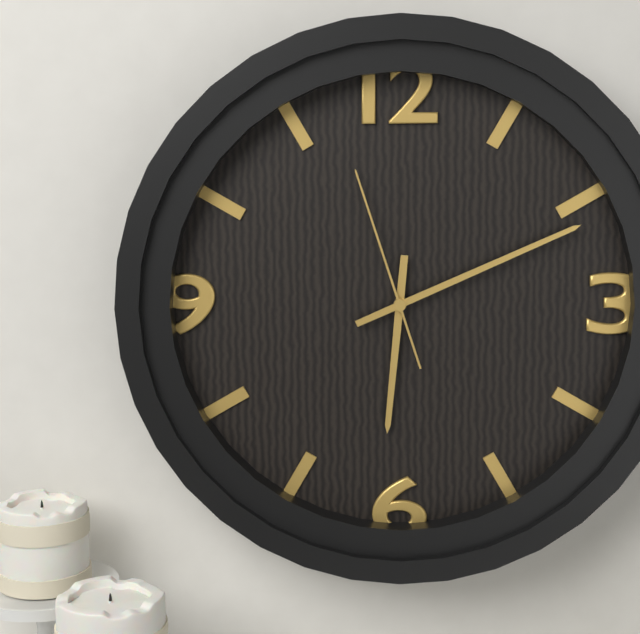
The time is 6,11,57
